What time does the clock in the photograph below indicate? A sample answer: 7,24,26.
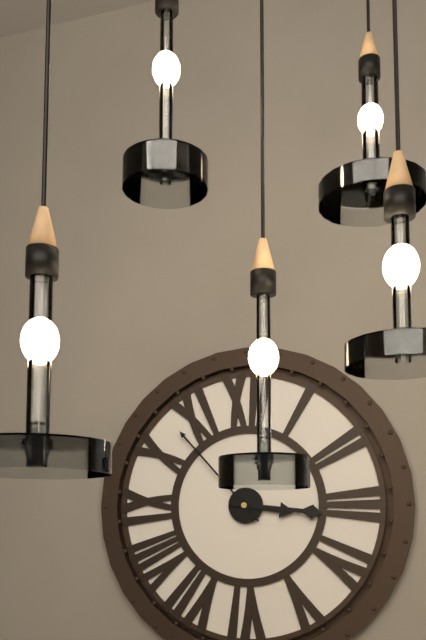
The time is 3,16,53
